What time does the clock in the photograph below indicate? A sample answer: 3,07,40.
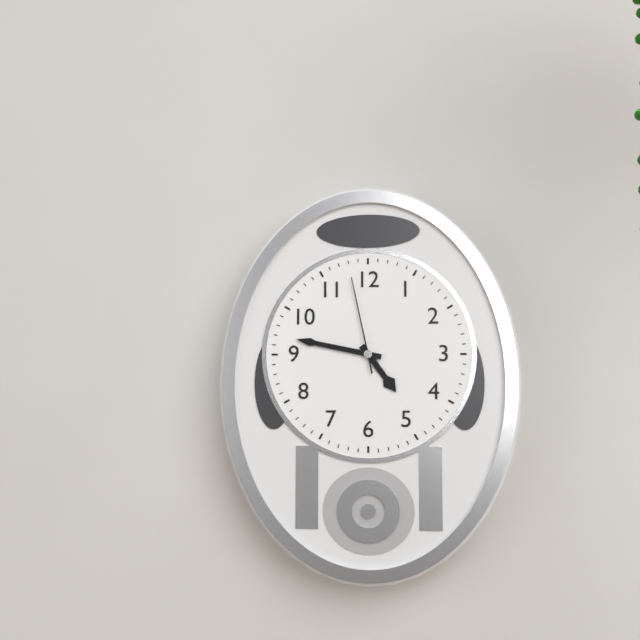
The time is 4,47,58
